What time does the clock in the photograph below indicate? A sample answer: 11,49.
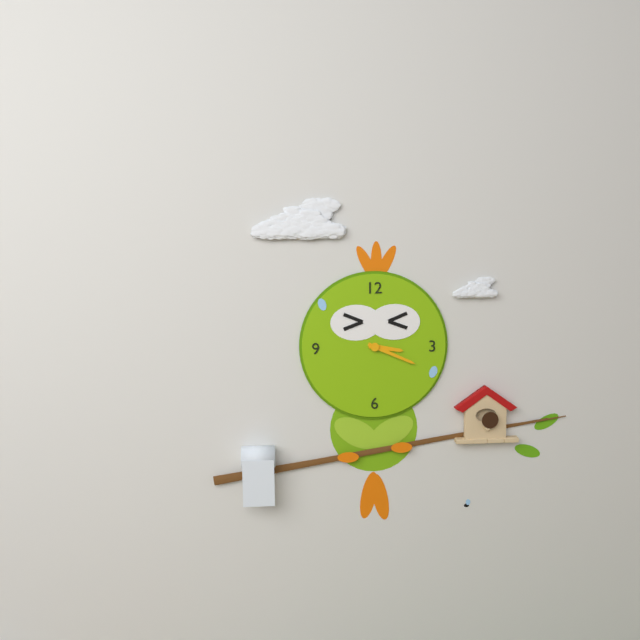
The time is 3,19
